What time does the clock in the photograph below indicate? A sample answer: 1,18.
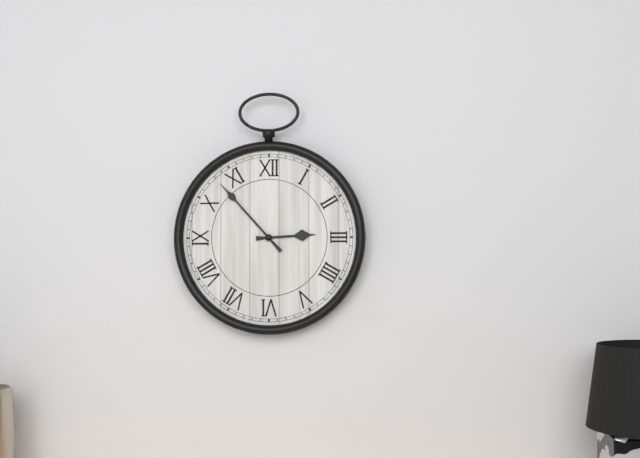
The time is 2,53
